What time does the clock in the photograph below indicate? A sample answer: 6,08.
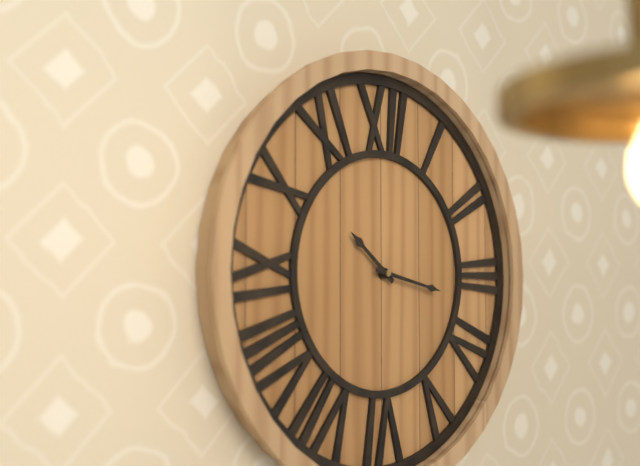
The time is 10,17
